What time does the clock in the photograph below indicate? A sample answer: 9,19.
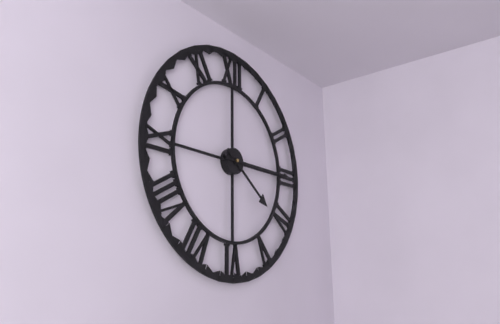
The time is 4,15
